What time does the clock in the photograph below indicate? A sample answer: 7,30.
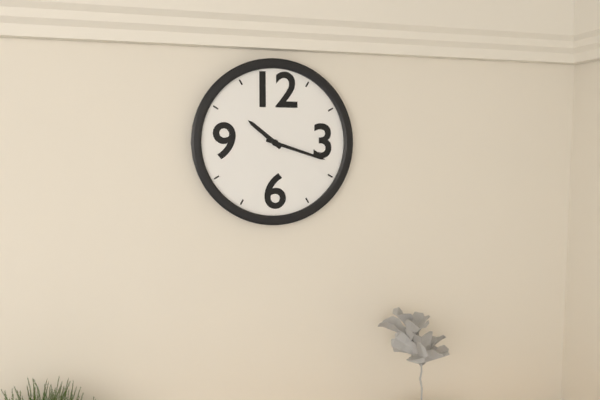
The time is 10,18
